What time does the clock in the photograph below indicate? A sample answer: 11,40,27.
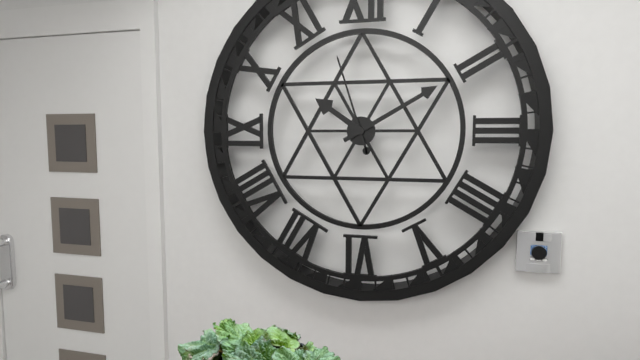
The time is 10,10,57
